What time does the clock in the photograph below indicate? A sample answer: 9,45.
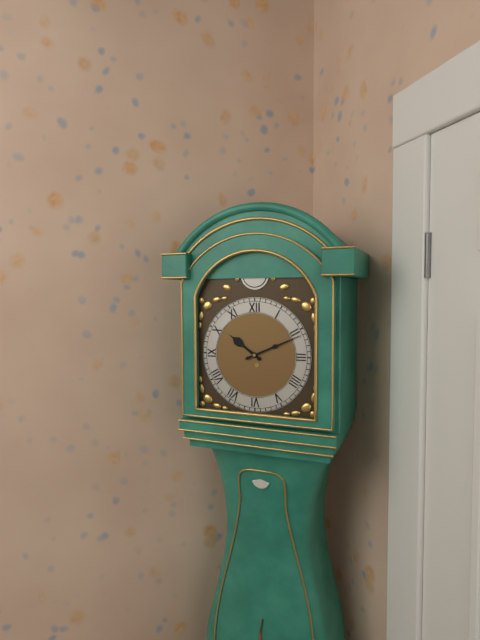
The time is 10,11
